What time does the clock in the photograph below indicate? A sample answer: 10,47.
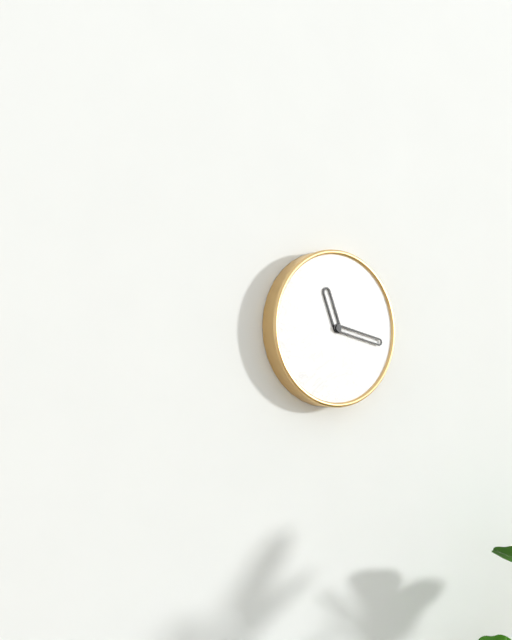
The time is 11,17
